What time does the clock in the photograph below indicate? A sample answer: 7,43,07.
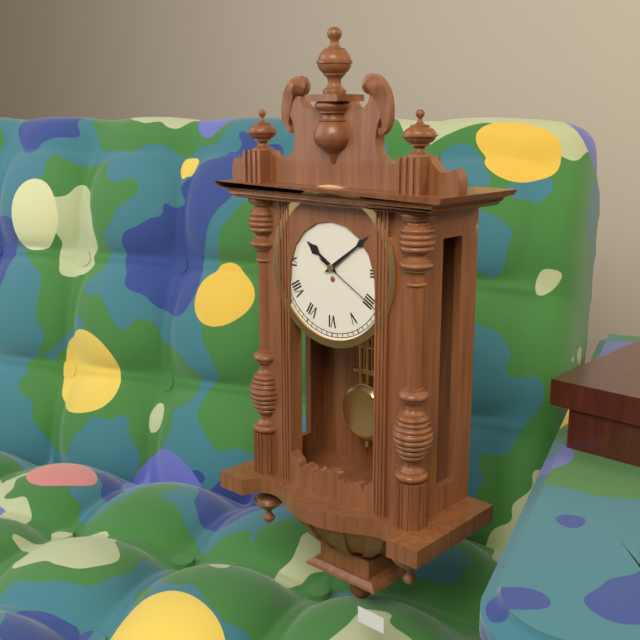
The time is 10,09,20
